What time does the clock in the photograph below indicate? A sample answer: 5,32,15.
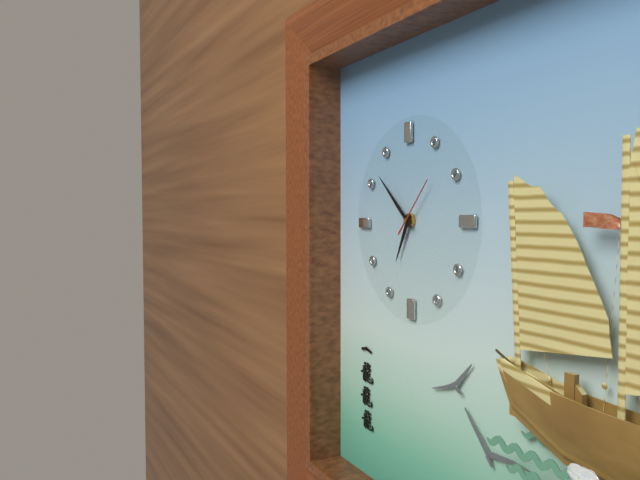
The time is 6,52,07
